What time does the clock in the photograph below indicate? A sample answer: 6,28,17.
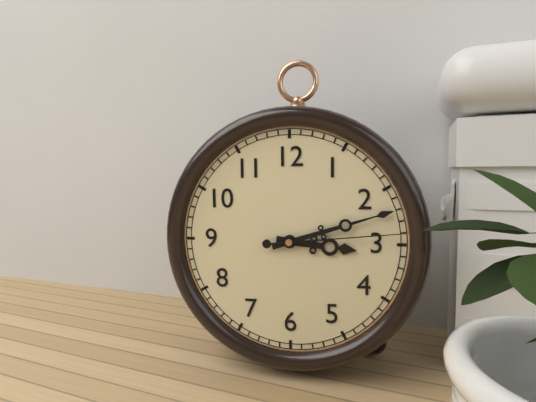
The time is 3,12,14
